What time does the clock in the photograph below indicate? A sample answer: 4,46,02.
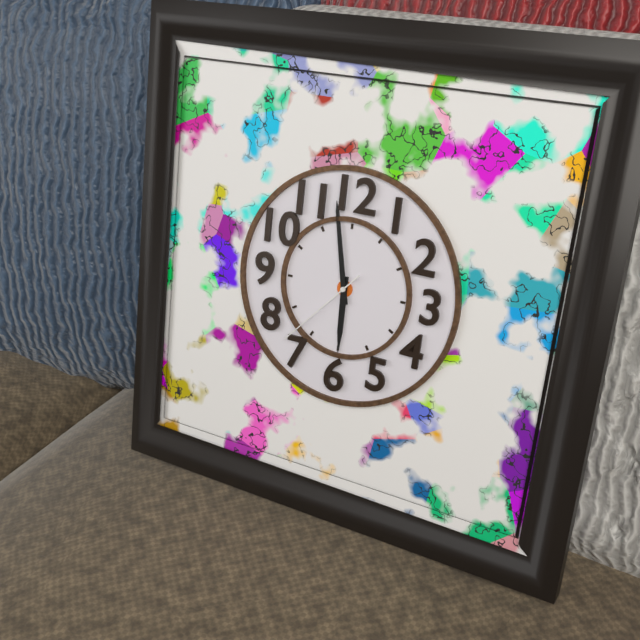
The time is 5,58,37
